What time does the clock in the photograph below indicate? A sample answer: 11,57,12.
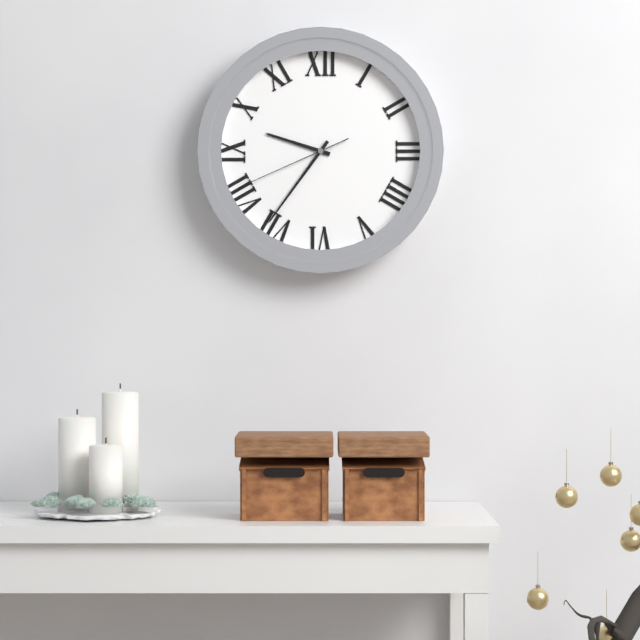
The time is 9,36,41
